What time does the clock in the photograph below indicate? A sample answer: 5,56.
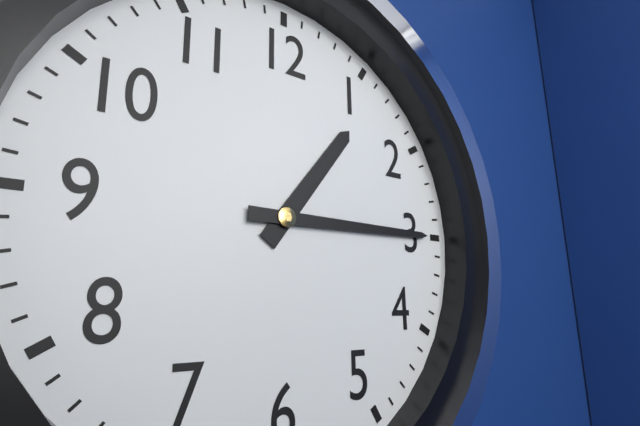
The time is 1,15
